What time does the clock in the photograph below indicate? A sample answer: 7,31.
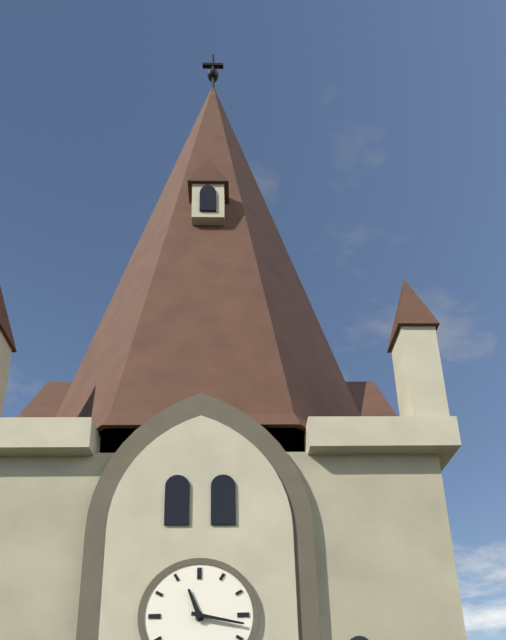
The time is 11,17
